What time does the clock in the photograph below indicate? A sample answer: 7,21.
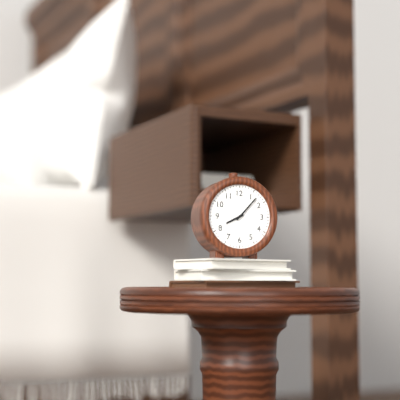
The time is 8,07
